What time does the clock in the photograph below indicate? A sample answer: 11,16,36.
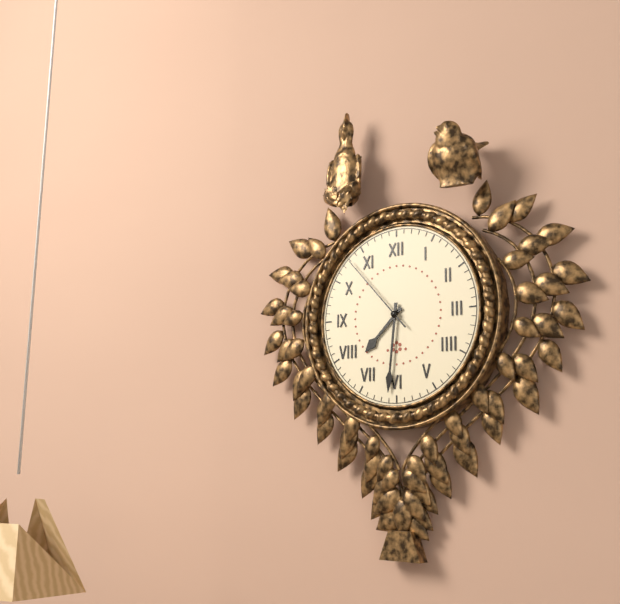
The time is 7,31,53
